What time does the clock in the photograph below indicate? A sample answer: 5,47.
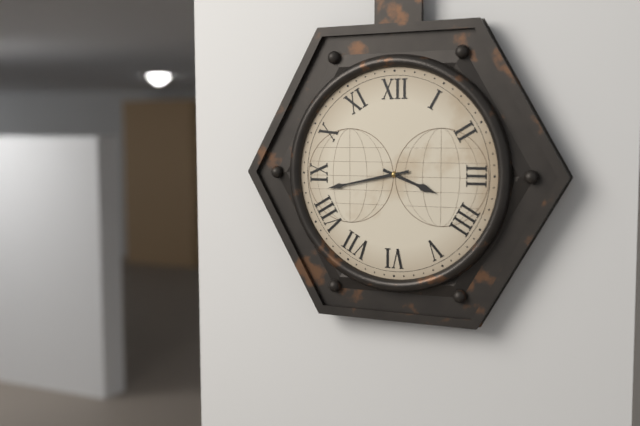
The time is 3,43
